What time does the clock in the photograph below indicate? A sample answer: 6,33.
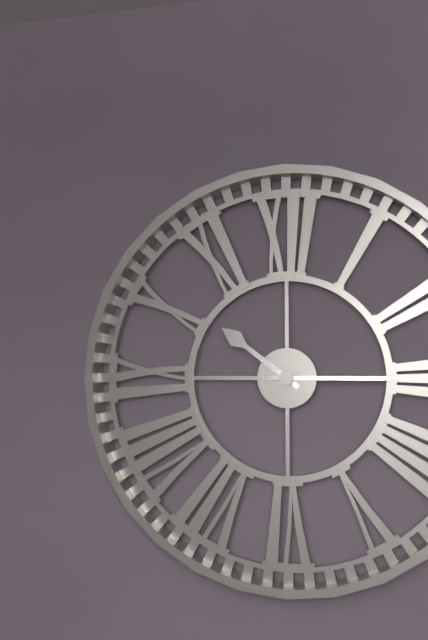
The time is 10,15
